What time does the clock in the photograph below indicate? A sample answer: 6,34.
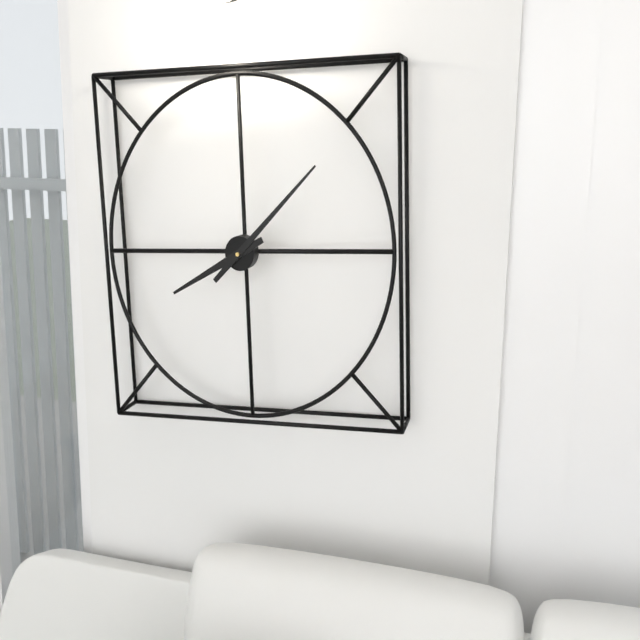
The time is 8,08
